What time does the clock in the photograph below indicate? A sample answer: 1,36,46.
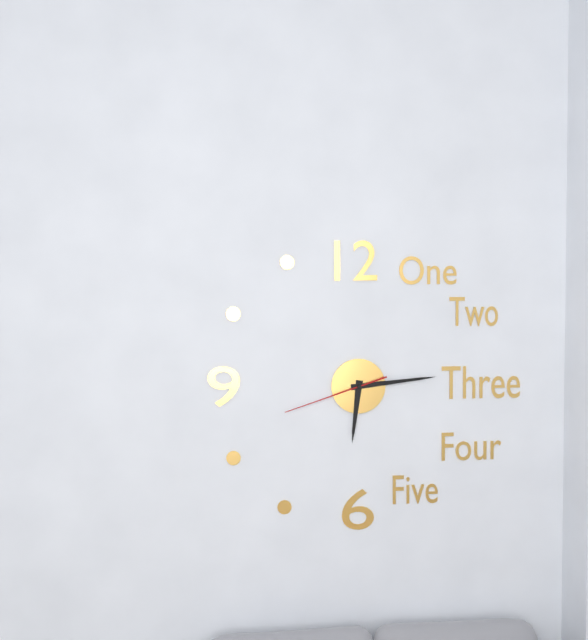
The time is 6,14,42
